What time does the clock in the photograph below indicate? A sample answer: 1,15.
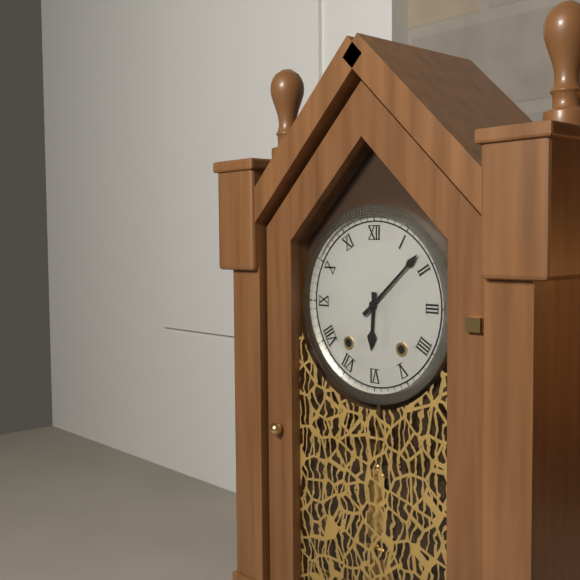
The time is 6,08
